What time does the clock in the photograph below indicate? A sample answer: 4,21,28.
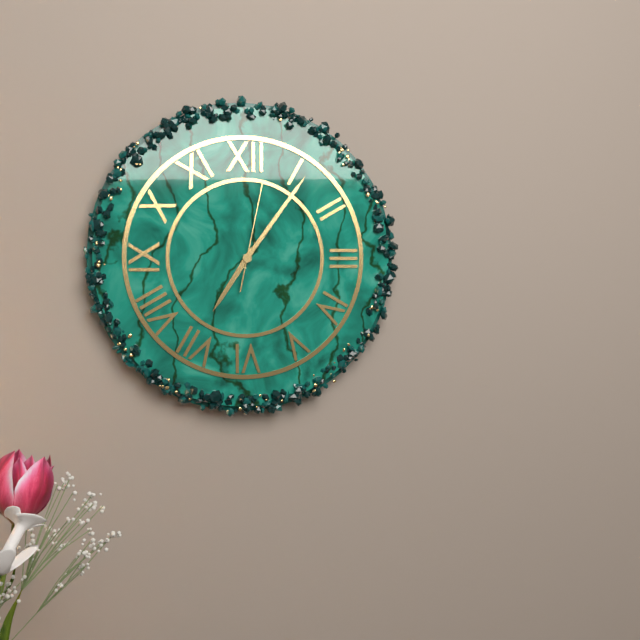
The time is 7,06,02
